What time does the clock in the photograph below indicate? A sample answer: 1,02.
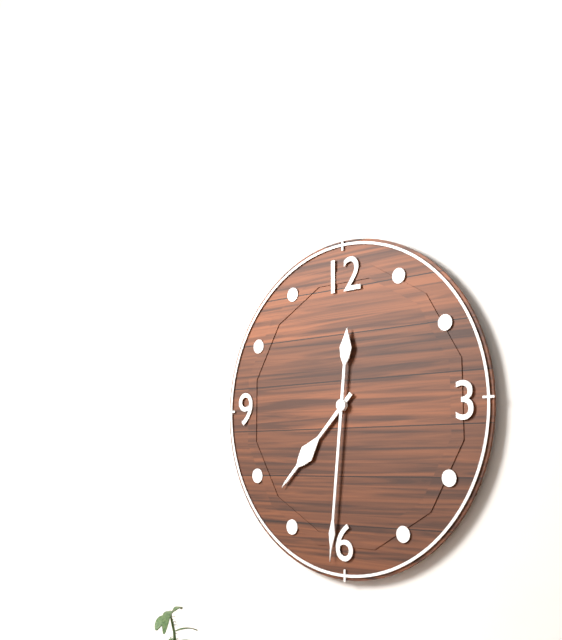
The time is 7,31
